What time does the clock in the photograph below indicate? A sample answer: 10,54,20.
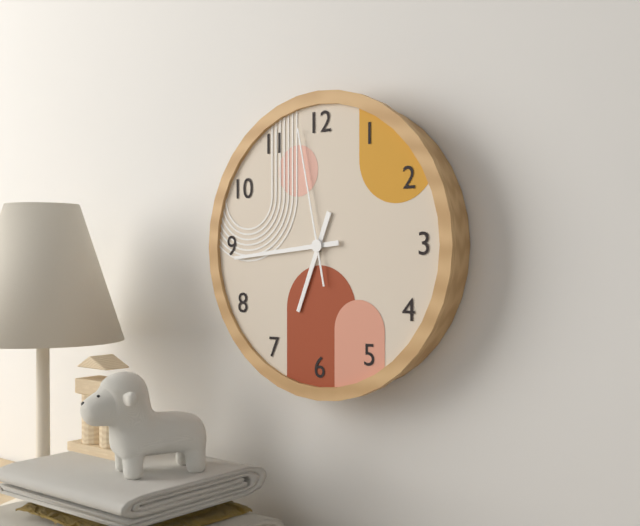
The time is 6,44,58
